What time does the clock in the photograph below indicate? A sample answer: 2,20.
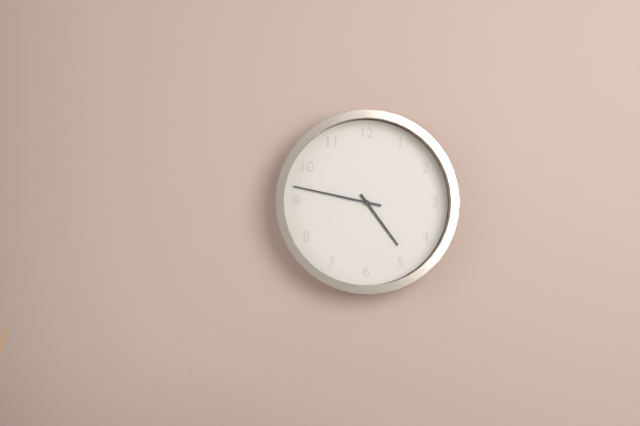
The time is 4,47
